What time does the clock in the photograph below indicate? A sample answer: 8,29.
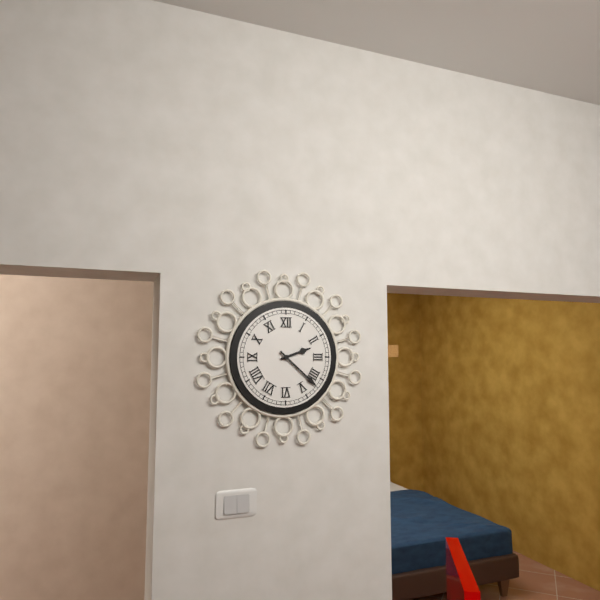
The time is 2,22
